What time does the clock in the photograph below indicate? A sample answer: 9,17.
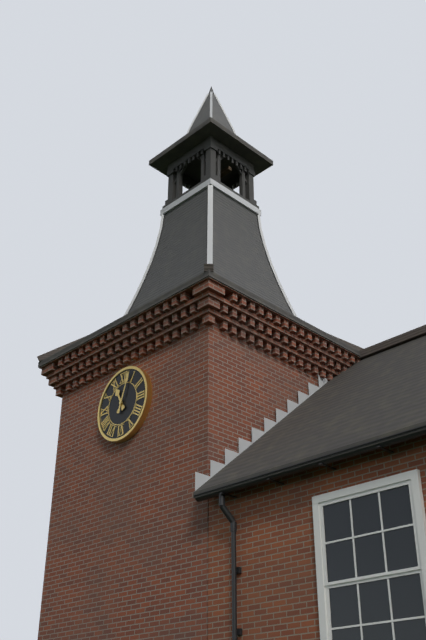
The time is 11,03
